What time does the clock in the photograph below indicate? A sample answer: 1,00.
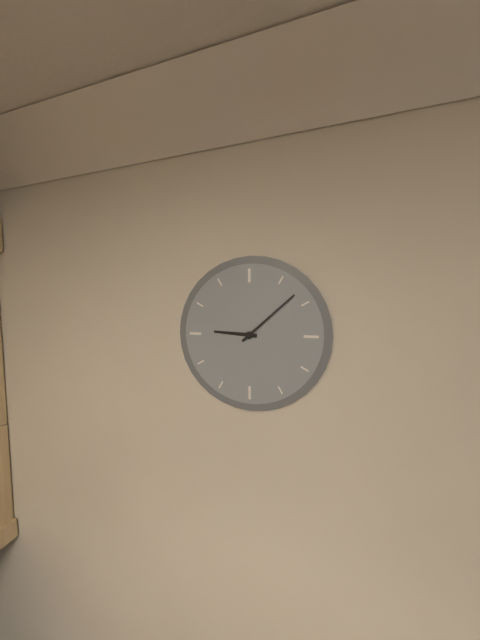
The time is 9,08
